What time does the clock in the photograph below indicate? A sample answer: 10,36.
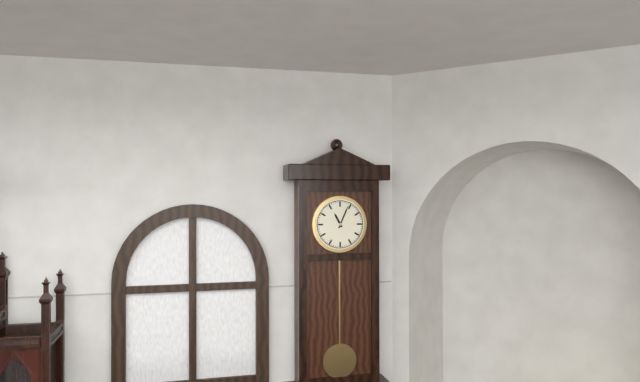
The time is 11,04
